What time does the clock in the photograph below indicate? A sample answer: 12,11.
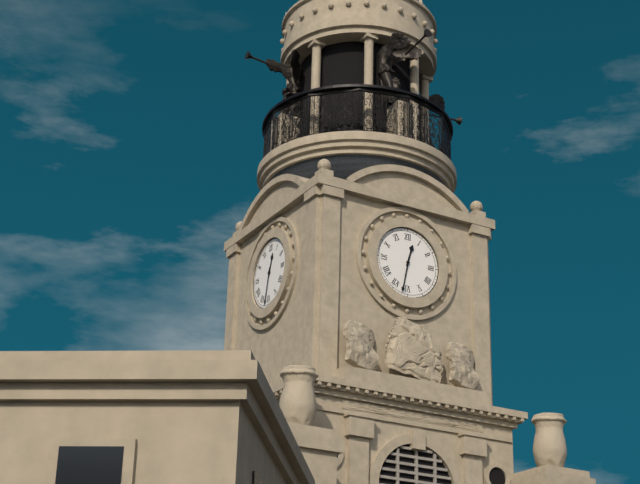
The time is 12,32
